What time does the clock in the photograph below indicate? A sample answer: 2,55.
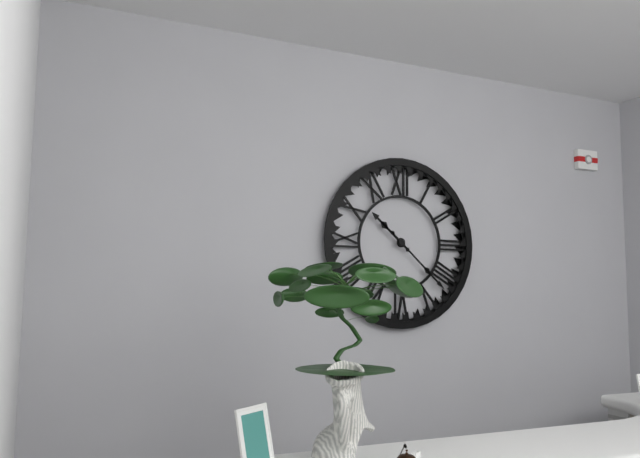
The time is 10,22
